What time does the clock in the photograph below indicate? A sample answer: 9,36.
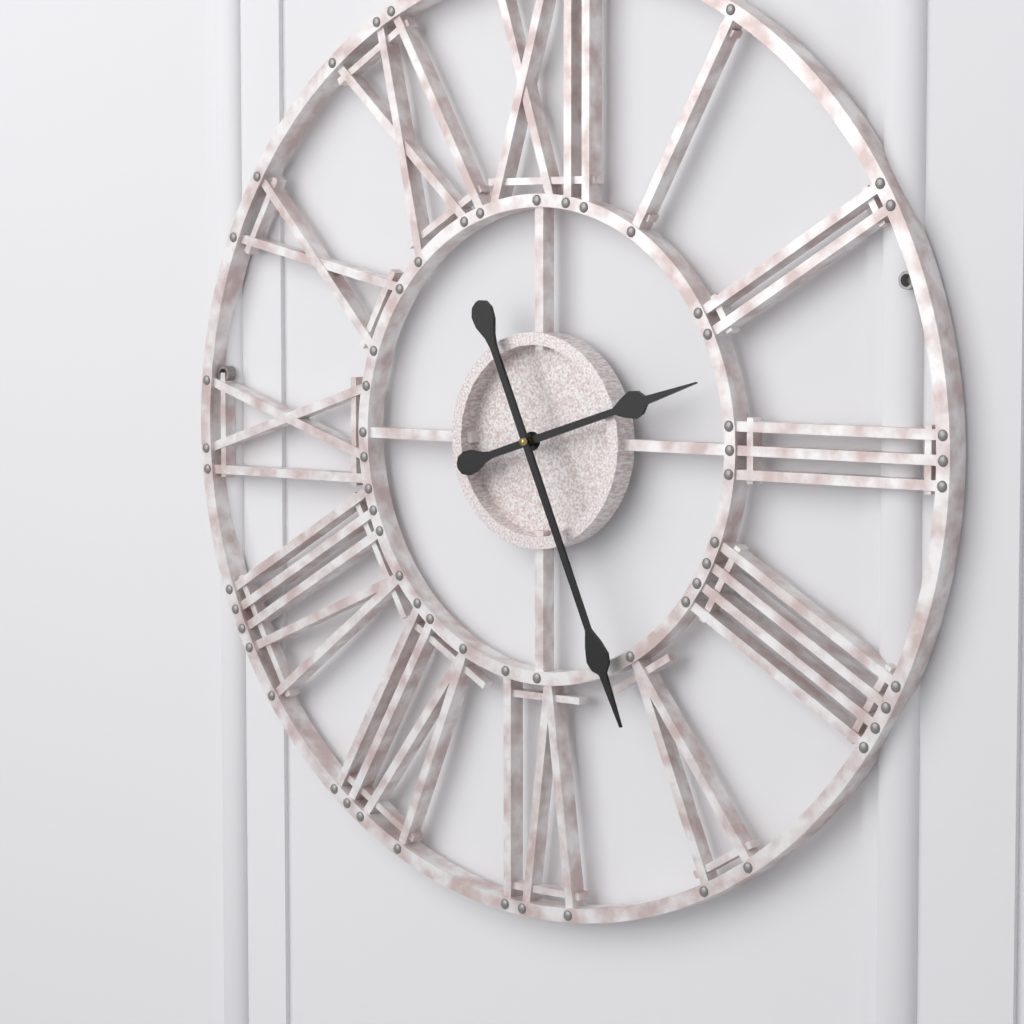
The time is 2,26
